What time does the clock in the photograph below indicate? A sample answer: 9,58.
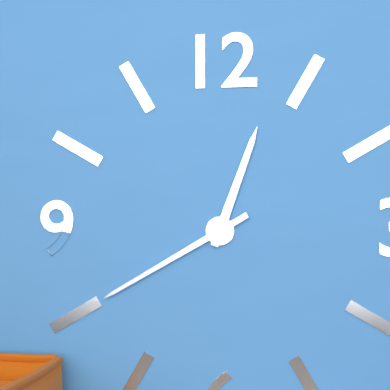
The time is 12,40
